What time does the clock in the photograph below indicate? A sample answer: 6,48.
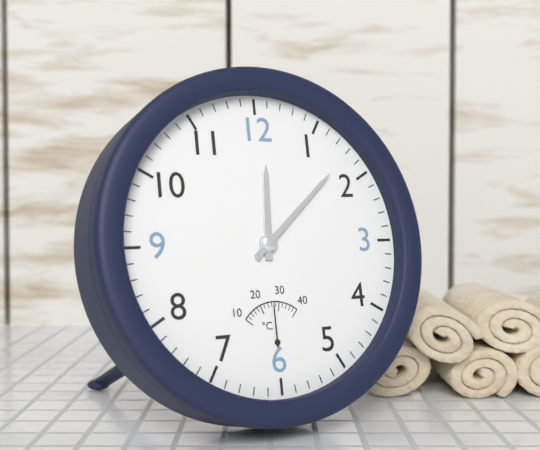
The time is 12,08
